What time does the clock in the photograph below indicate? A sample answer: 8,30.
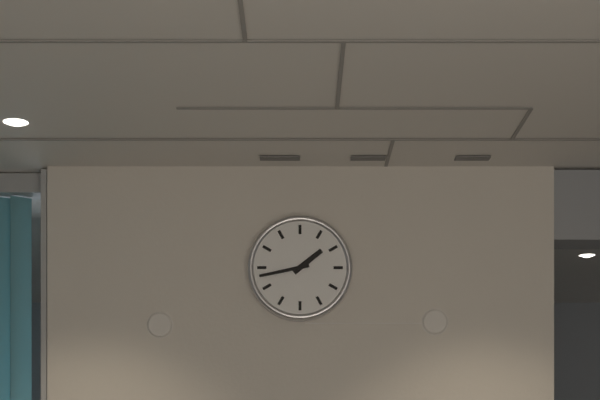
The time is 1,43
